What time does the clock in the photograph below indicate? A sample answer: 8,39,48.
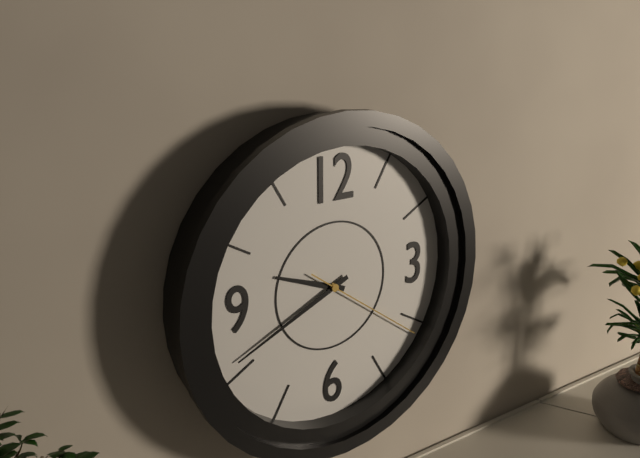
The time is 9,41,21
